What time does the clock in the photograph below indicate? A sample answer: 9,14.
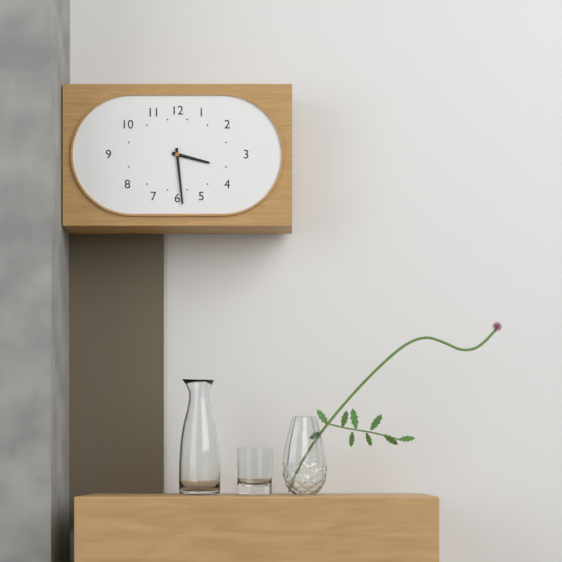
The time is 3,29
